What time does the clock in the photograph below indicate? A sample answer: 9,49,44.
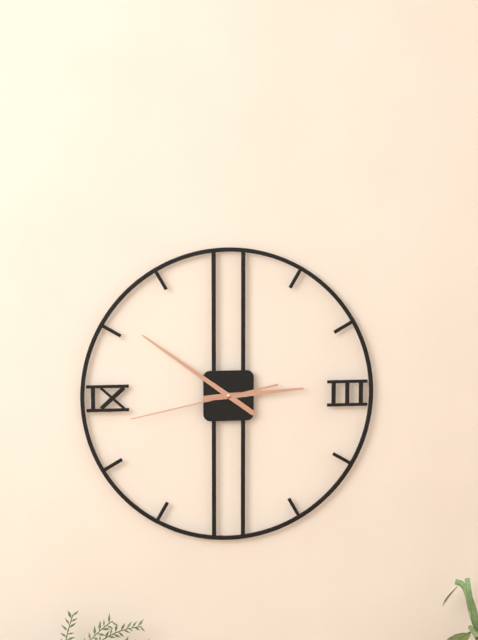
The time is 2,51,43
